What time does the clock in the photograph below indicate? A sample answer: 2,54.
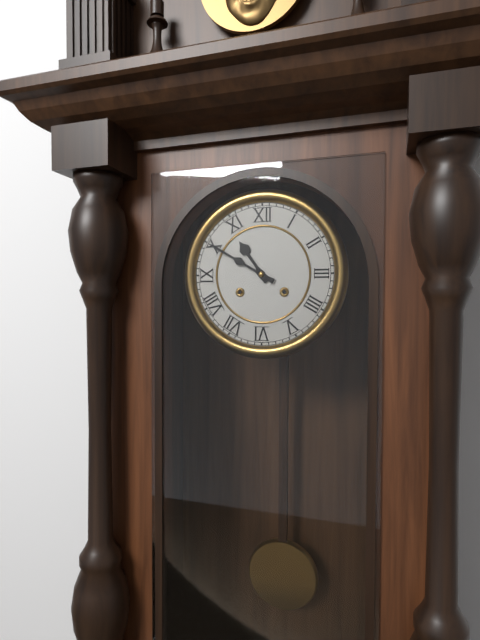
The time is 10,50
